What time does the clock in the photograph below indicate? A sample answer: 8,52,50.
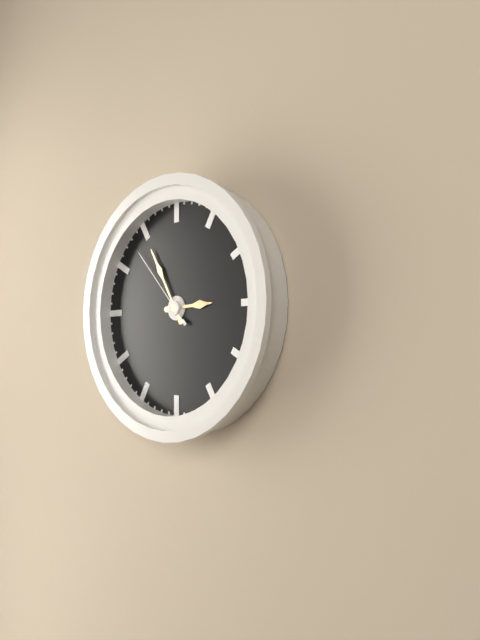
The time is 2,55,53
